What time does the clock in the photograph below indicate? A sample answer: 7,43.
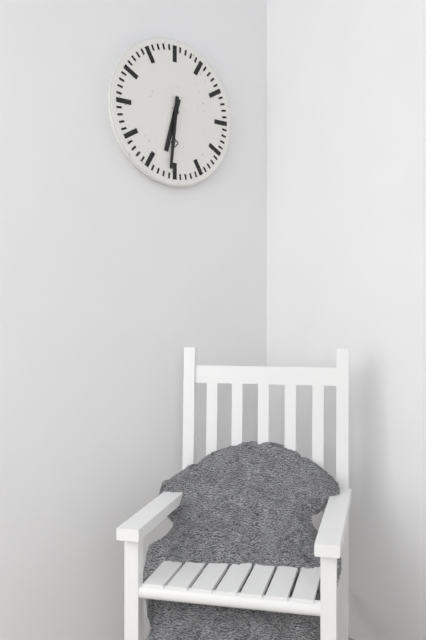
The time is 6,31
